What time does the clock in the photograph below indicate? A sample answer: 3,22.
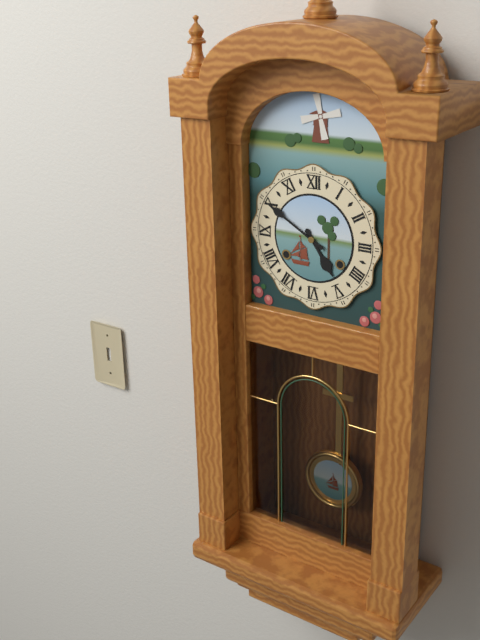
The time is 4,50
